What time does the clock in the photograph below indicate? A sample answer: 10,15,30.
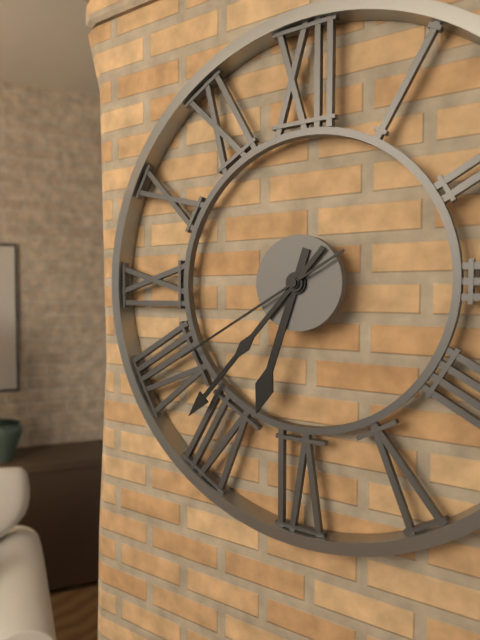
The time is 6,37,40
